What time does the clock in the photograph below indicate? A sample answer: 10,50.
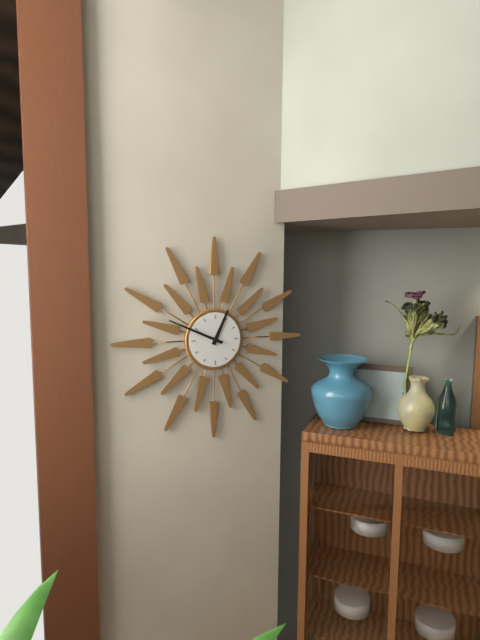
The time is 12,49
